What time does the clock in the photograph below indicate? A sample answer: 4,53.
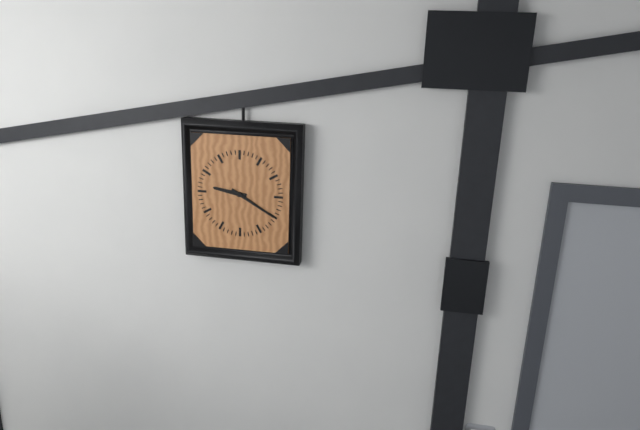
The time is 9,20
